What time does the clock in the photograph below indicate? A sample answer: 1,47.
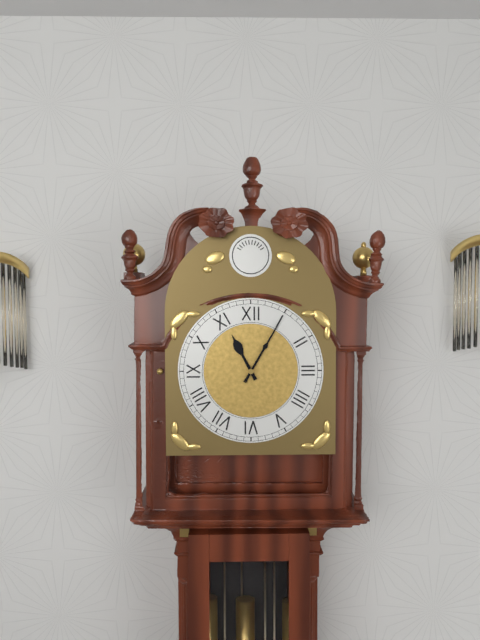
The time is 11,05
